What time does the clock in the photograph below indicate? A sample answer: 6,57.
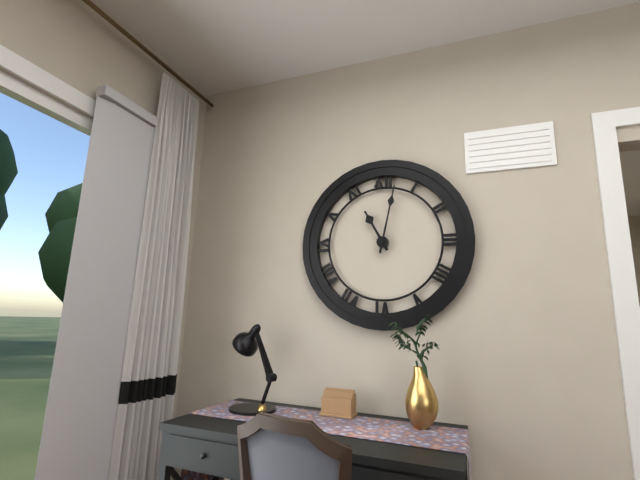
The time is 11,02
